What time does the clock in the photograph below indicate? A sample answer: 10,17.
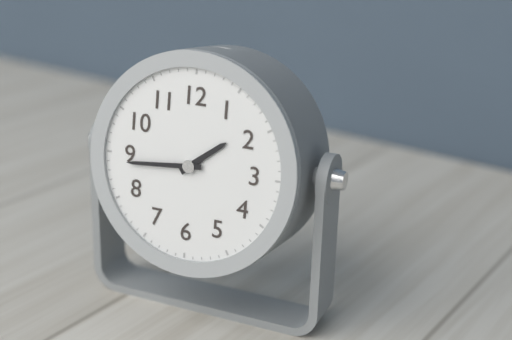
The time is 1,44
